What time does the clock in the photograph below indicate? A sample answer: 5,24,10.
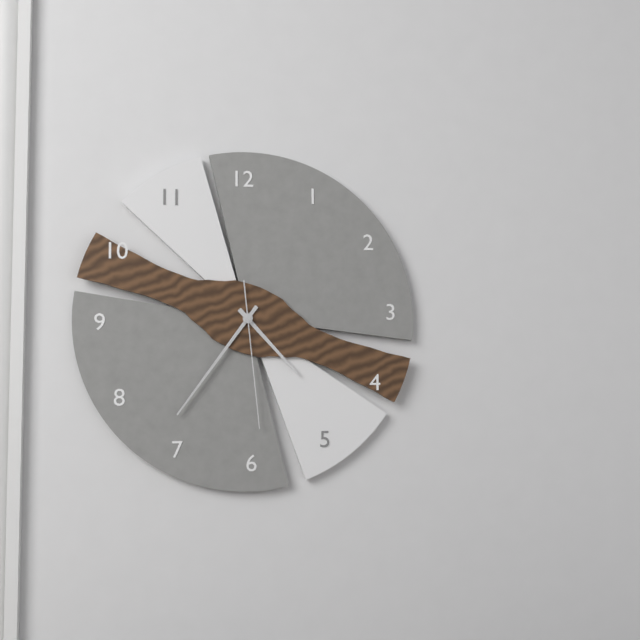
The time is 4,36,29
